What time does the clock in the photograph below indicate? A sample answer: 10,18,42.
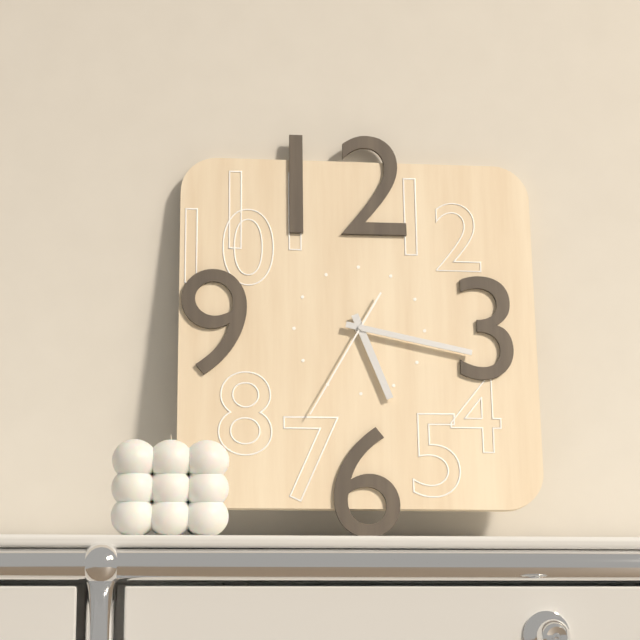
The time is 5,17,35
